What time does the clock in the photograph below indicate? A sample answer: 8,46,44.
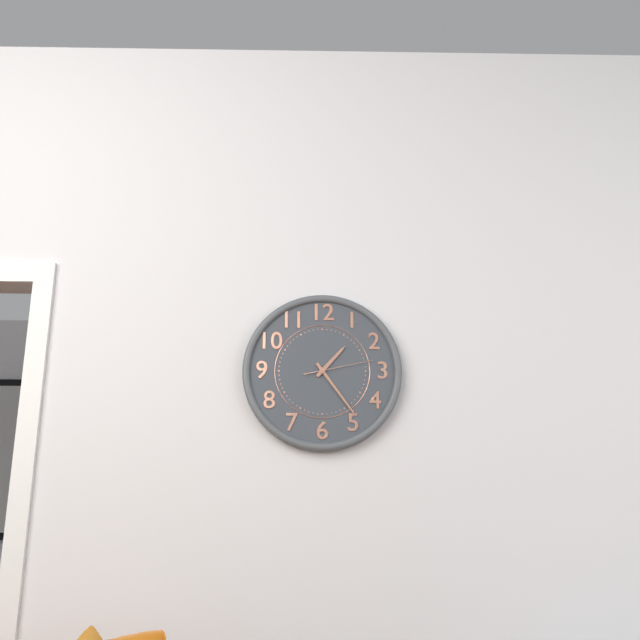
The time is 1,24,13
